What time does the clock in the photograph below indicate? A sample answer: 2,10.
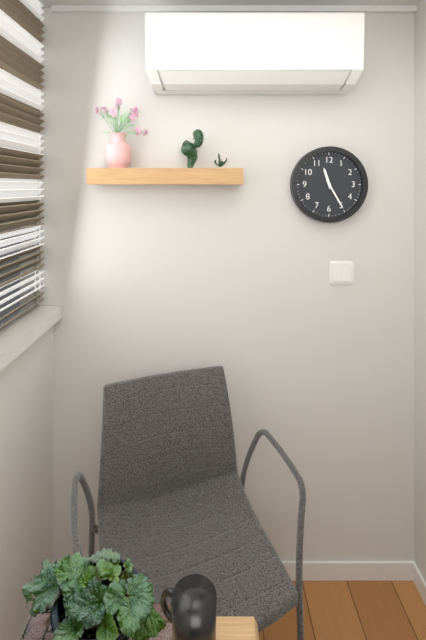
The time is 11,25
